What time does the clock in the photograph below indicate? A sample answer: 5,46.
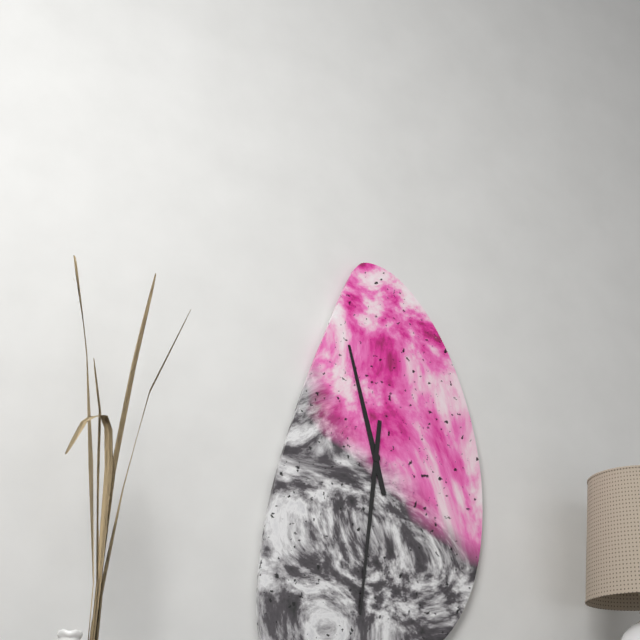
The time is 11,31
